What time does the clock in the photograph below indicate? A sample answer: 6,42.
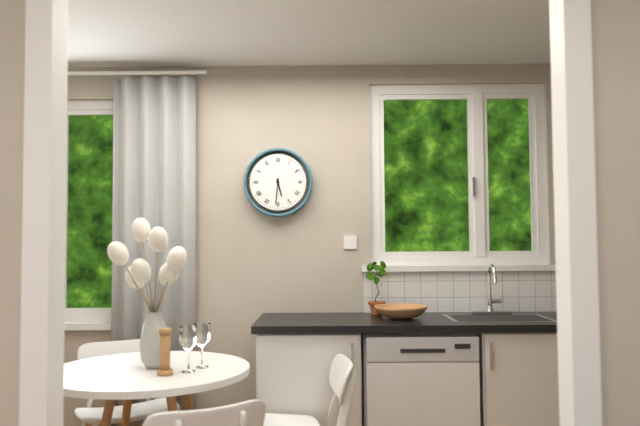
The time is 5,31
